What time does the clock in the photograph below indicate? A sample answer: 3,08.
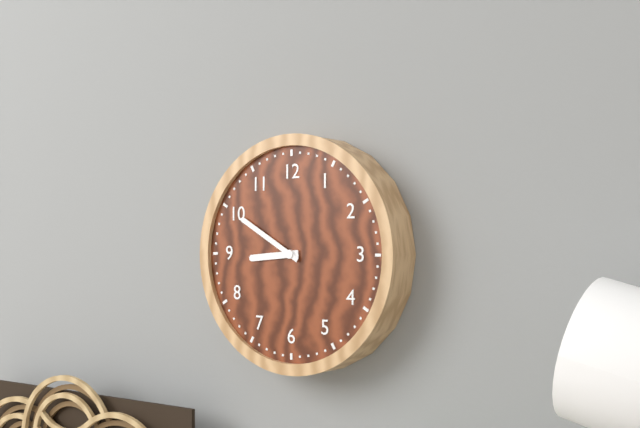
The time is 8,50
